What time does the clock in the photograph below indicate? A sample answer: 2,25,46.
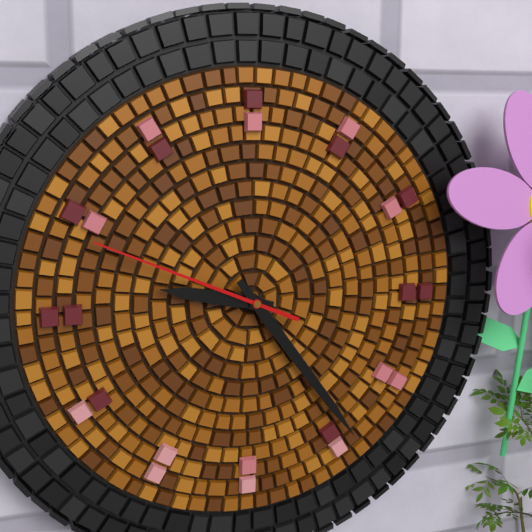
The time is 9,24,49
